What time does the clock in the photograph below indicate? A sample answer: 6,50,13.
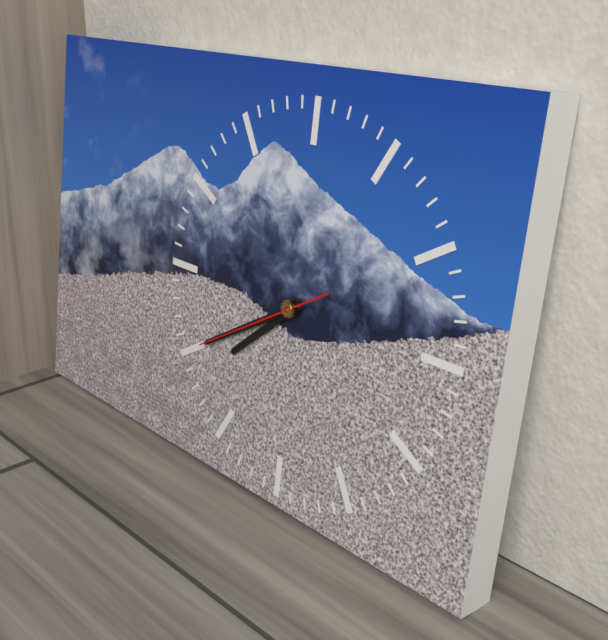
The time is 7,40,40
